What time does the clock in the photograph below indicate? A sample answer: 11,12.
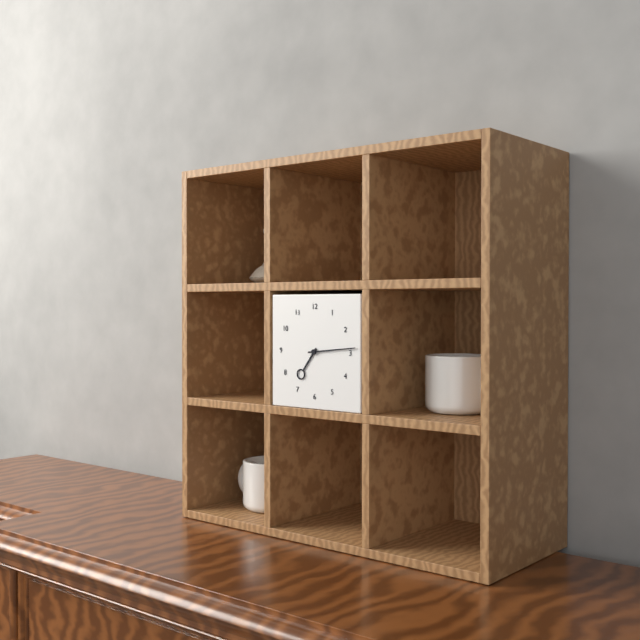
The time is 7,14
